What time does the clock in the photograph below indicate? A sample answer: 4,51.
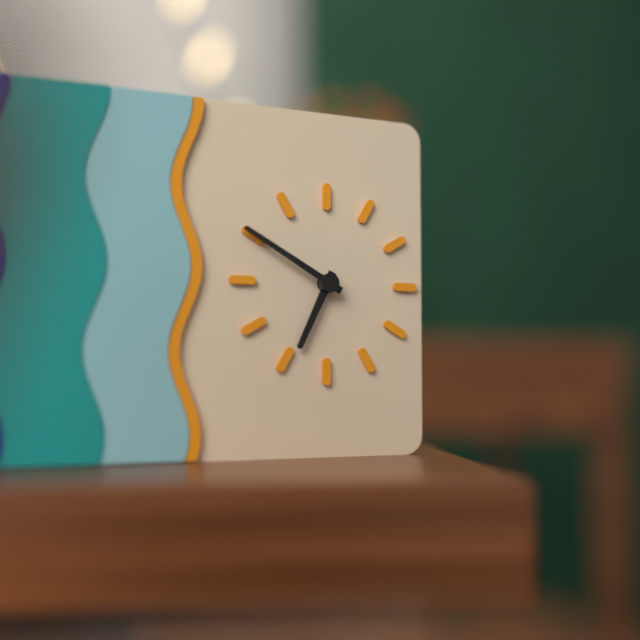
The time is 6,50
